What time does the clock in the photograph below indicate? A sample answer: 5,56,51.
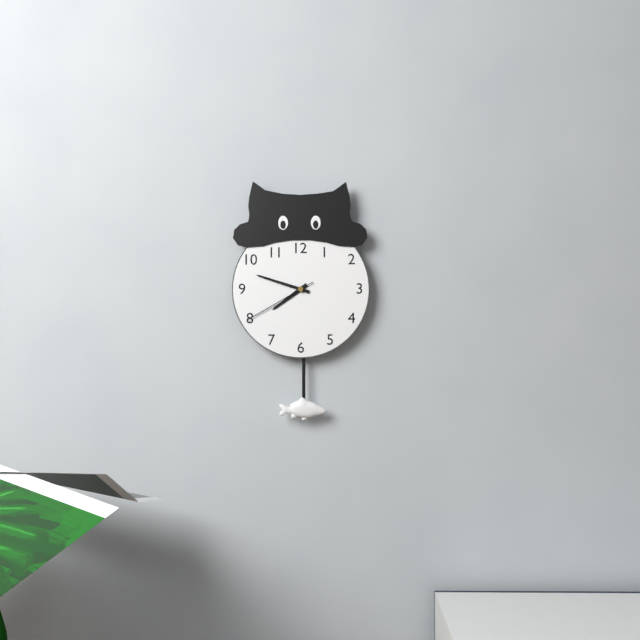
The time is 7,48,40
